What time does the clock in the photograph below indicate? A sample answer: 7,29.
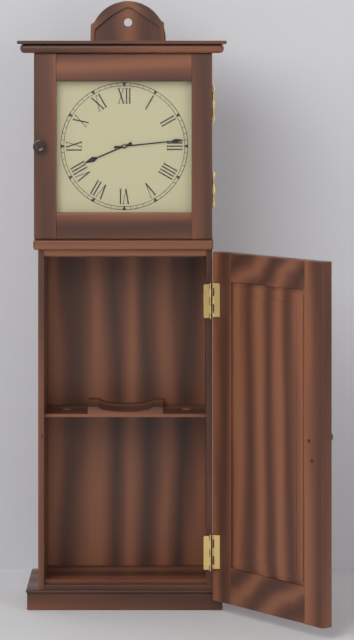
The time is 8,14
